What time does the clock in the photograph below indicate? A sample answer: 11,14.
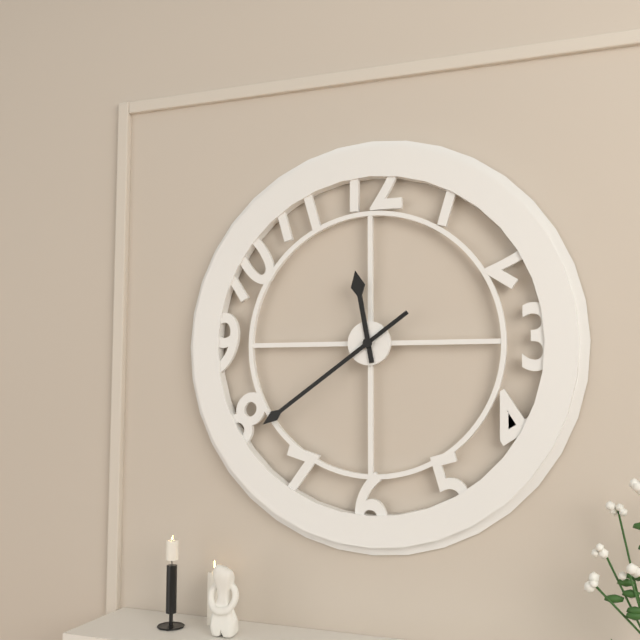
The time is 11,39
